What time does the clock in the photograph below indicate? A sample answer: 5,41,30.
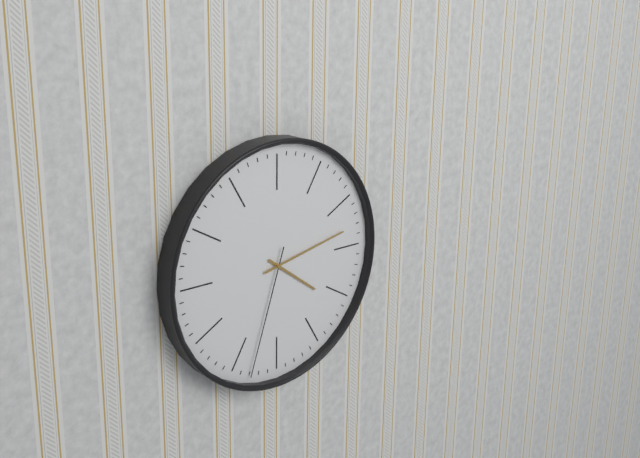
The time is 4,13,33
